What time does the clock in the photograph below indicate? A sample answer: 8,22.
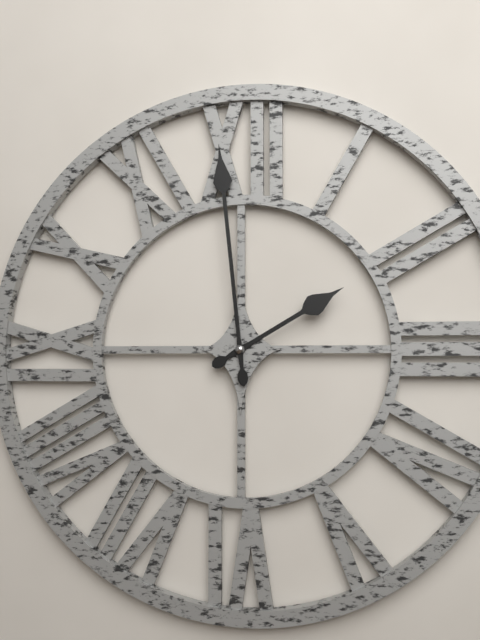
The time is 1,59
